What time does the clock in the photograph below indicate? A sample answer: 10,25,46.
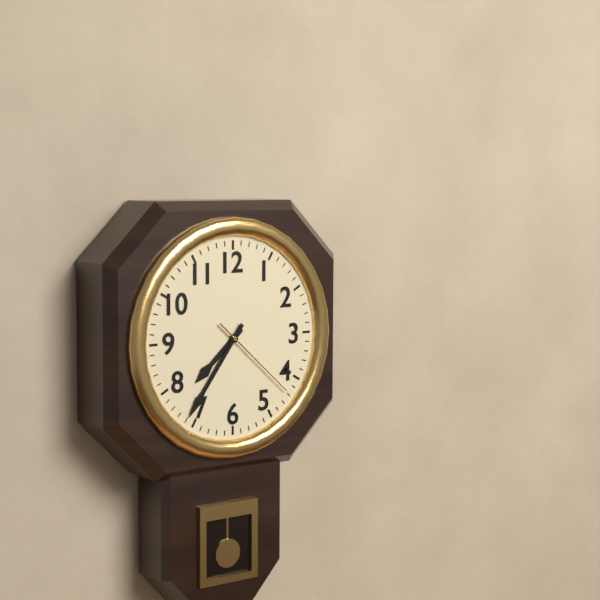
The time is 7,36,22
